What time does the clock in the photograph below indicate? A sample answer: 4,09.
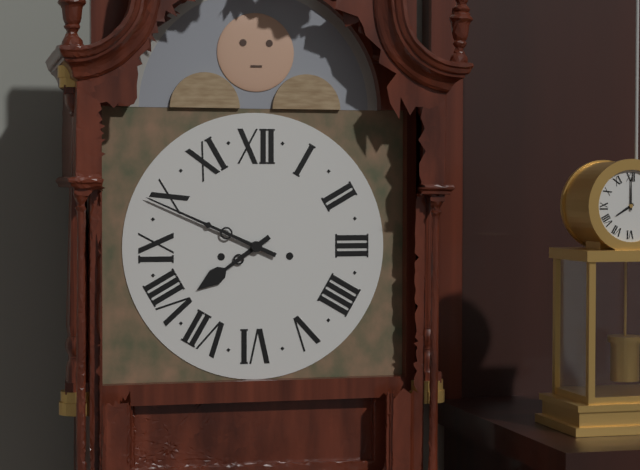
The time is 7,49
